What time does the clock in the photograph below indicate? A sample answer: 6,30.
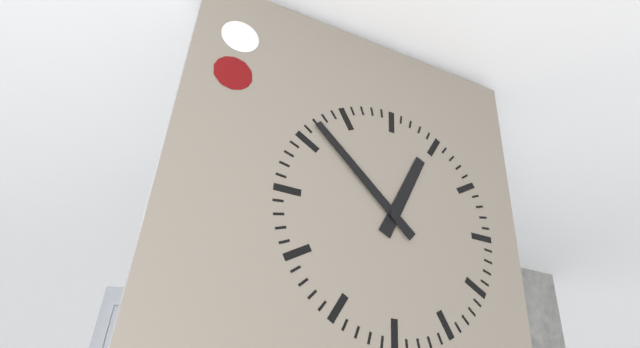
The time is 12,52
